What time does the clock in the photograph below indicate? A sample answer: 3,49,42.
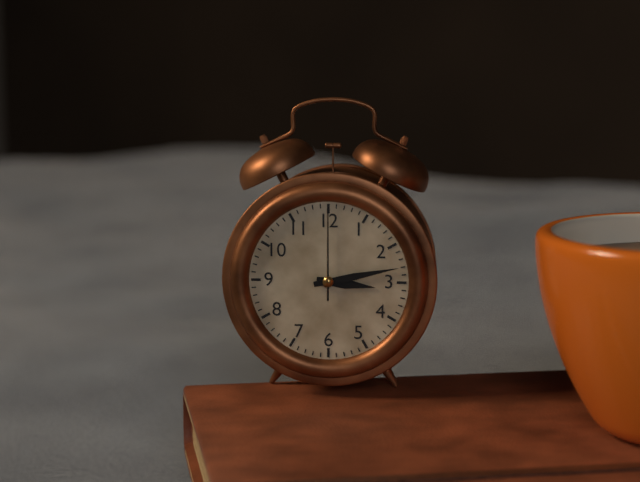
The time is 3,13,00
